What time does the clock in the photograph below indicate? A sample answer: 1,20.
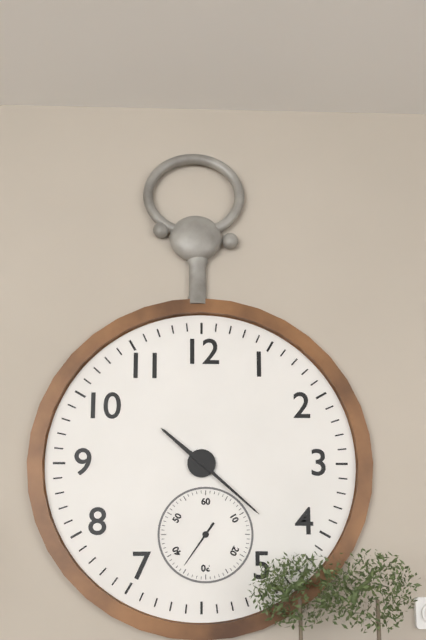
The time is 10,22
